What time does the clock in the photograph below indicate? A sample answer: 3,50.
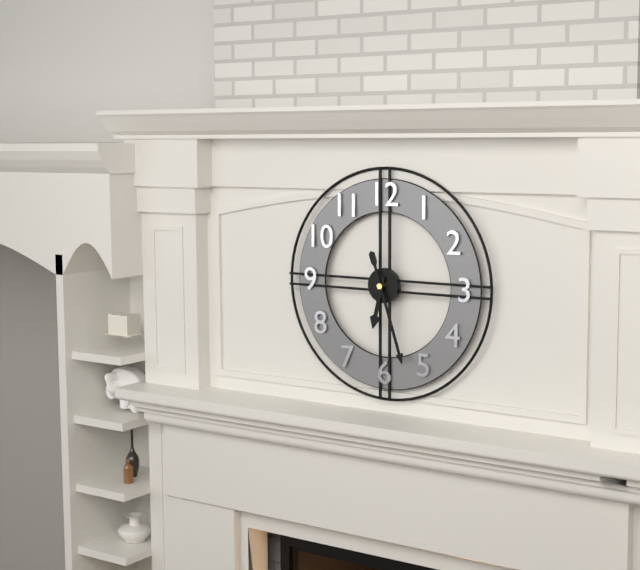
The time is 6,27
